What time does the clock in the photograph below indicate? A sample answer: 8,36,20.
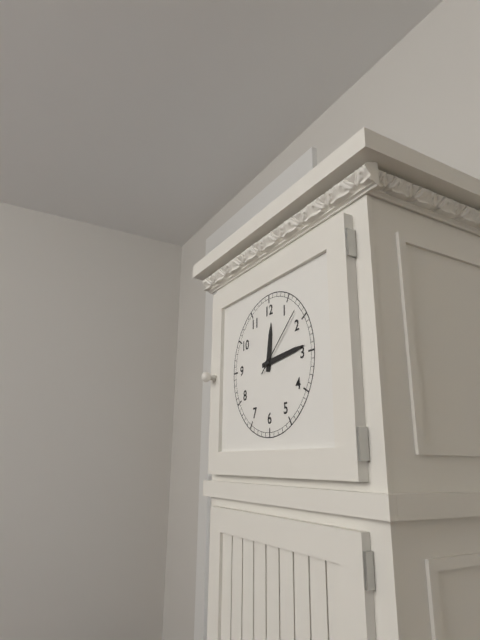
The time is 12,14,08
